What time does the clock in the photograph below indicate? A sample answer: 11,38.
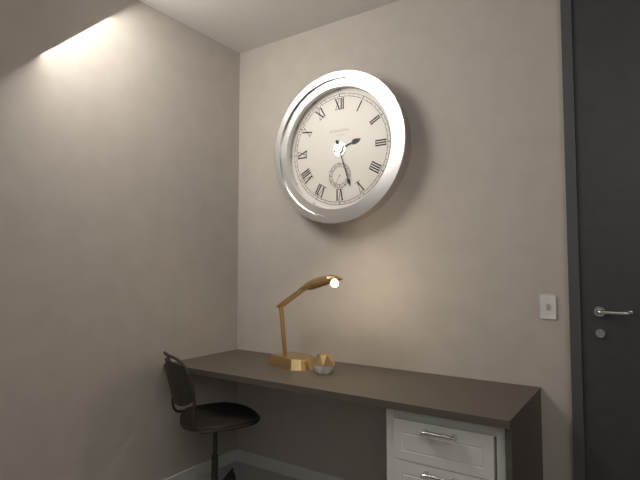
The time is 2,27
